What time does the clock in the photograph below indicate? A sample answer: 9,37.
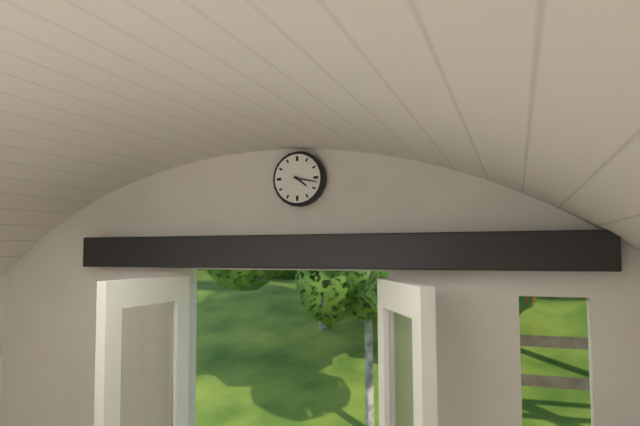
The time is 4,17
